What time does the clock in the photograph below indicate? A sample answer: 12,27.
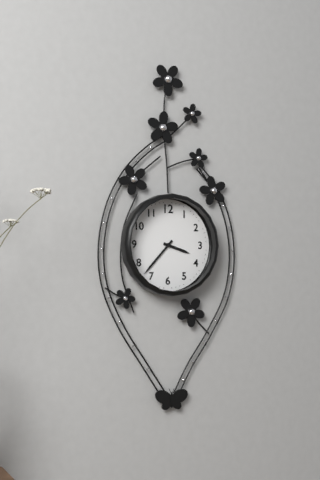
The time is 3,37
